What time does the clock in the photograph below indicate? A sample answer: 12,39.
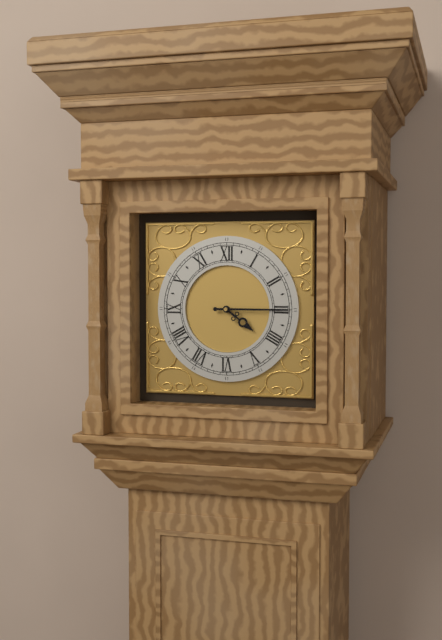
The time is 4,15
